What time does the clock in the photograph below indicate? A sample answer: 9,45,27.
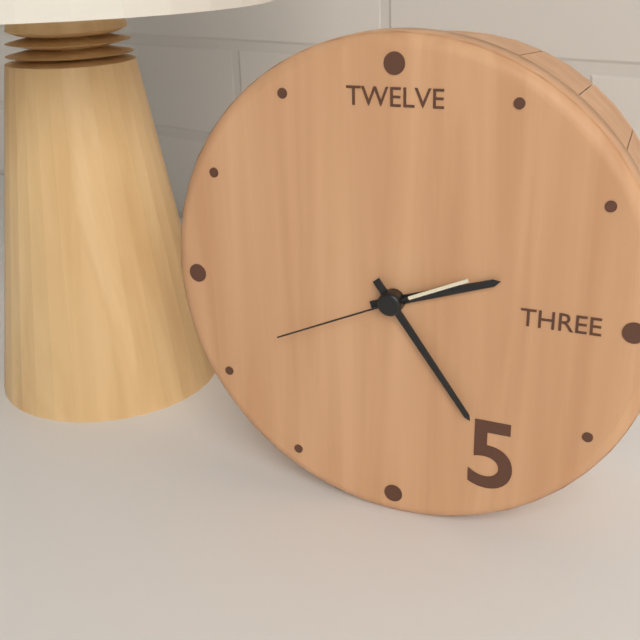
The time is 2,24,41
